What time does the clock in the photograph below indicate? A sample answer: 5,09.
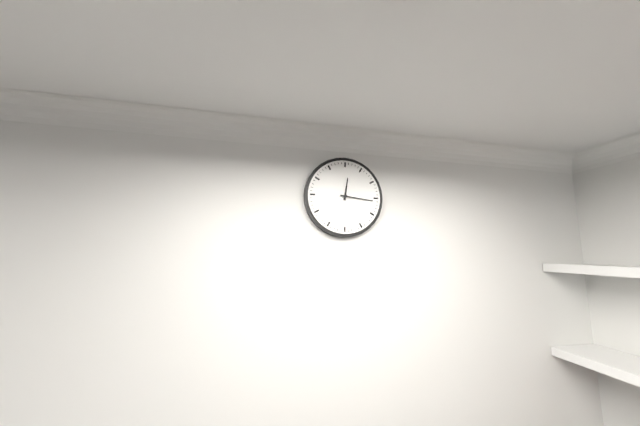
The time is 12,16
